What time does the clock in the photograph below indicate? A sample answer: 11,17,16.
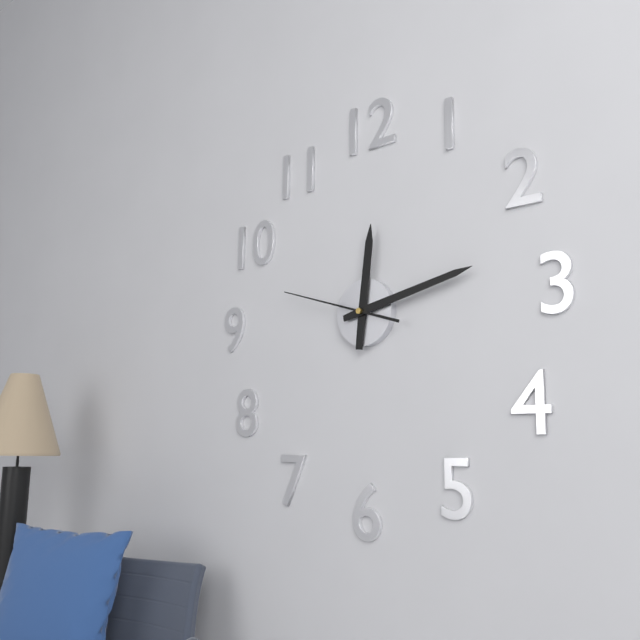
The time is 12,13,48
